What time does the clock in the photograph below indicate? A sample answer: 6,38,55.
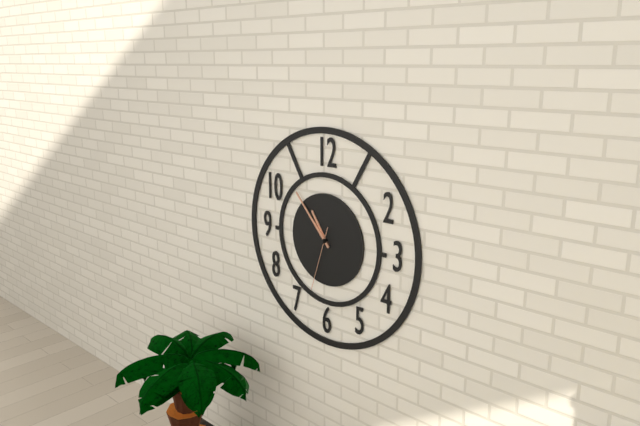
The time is 10,53,33
